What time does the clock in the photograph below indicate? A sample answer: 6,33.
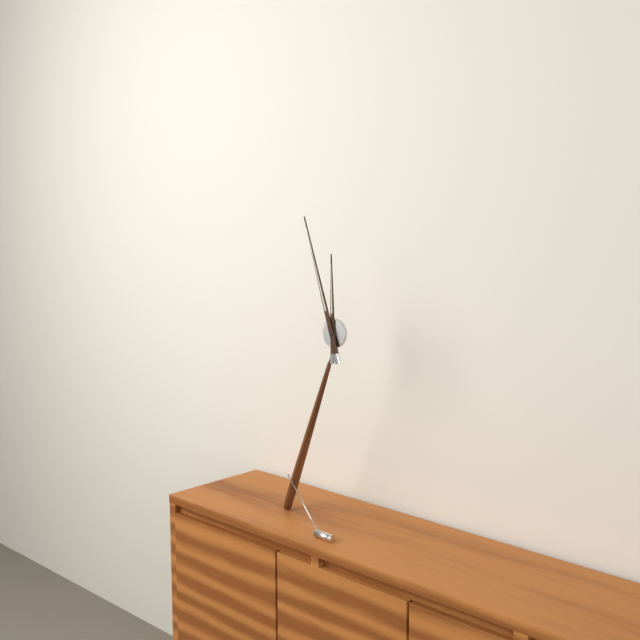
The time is 11,57
